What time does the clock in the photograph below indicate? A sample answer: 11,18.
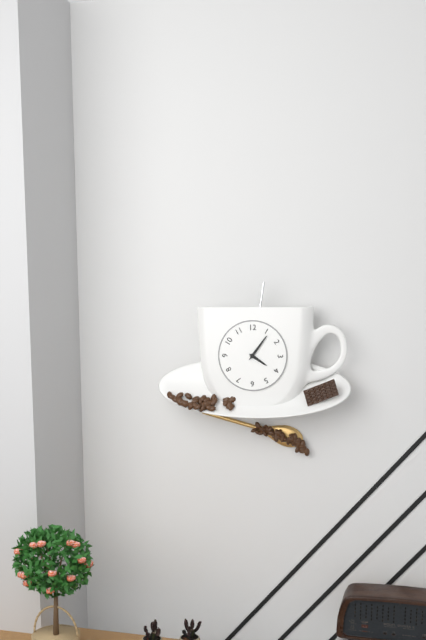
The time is 4,06
